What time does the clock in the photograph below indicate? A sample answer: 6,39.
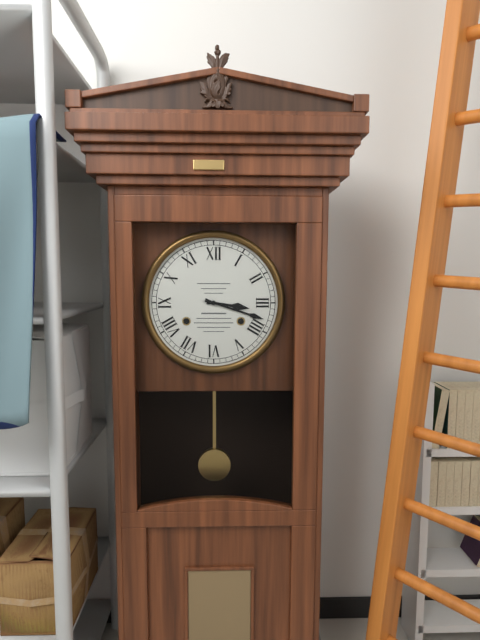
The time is 3,18
